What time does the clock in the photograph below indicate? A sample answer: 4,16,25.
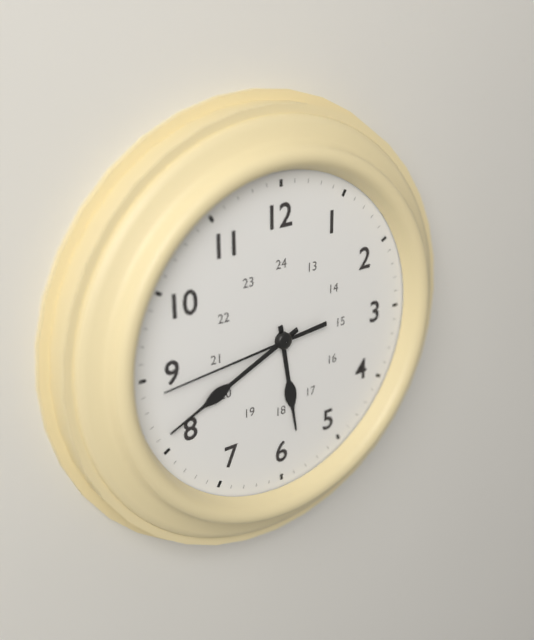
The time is 5,41,44
